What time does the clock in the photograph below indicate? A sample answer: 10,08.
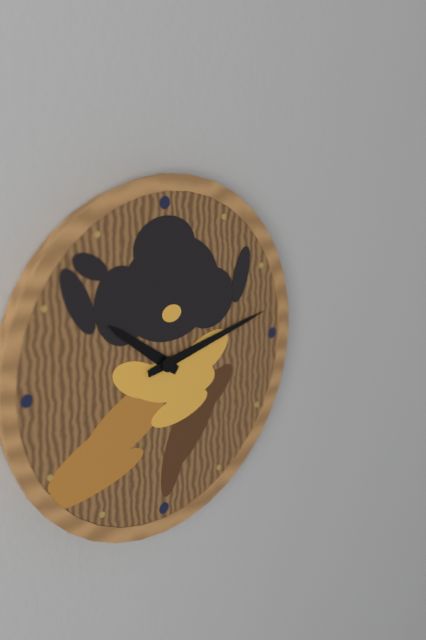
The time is 10,13
